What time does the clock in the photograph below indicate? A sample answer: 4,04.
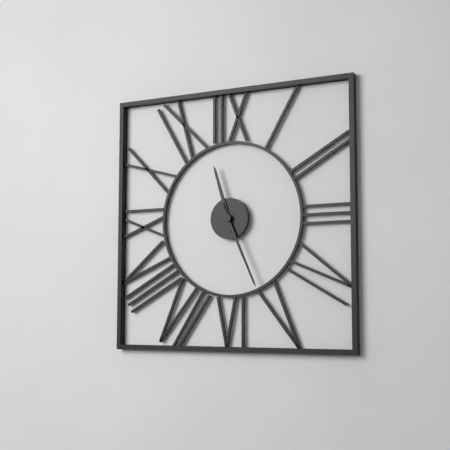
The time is 11,26
